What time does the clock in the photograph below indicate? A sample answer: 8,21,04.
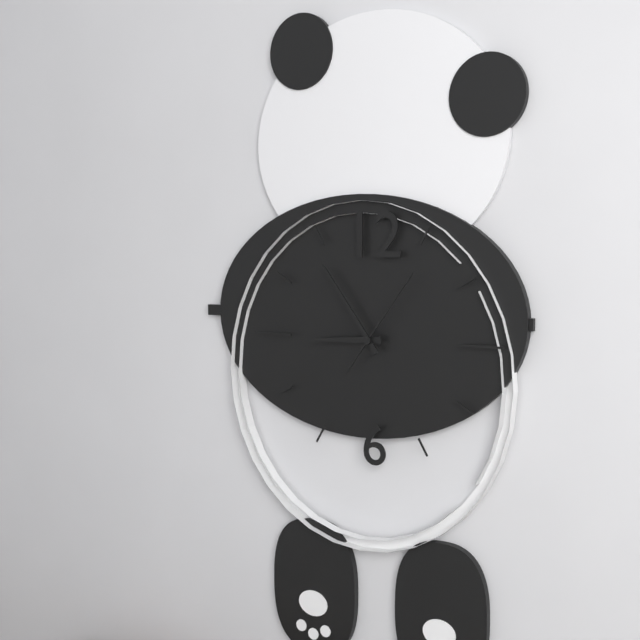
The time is 8,54,06
